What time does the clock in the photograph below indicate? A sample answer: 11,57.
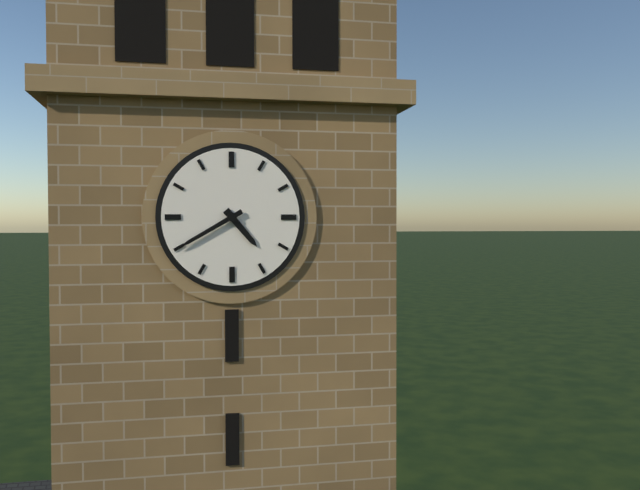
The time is 4,40
